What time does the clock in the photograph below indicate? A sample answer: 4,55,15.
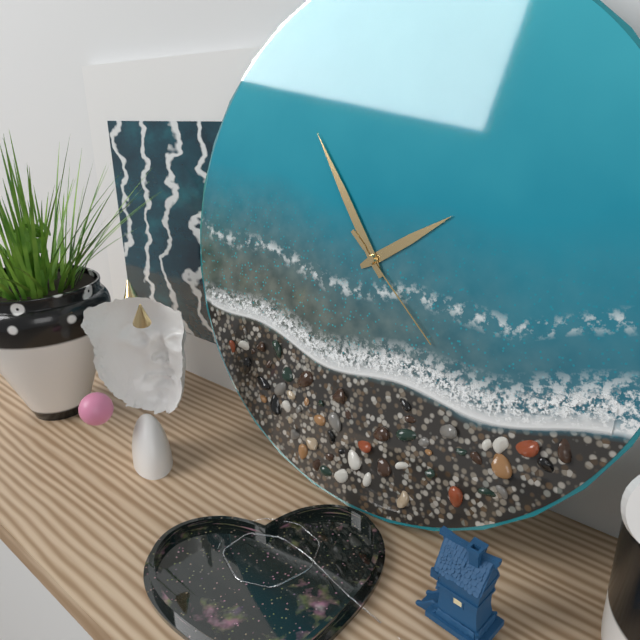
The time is 1,54,22
